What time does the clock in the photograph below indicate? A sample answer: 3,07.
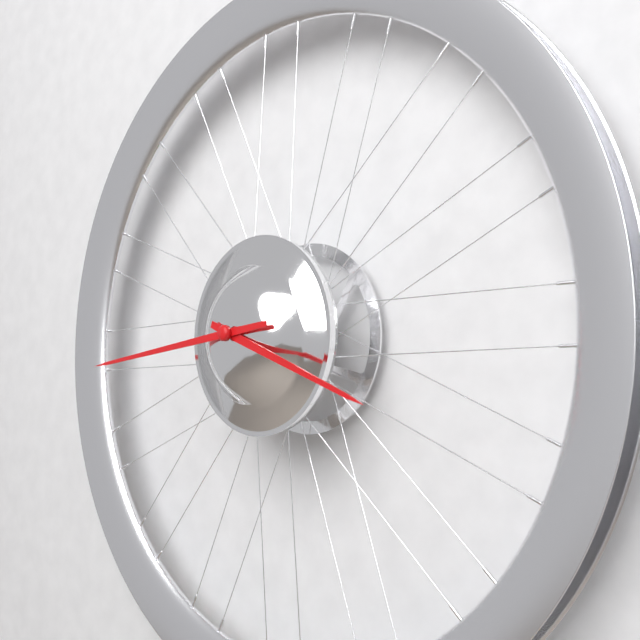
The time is 3,44
